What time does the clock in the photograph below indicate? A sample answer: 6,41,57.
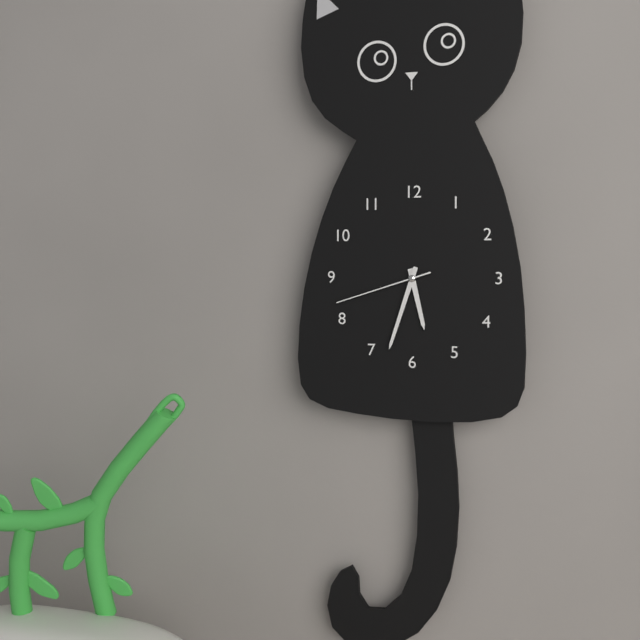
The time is 5,33,42
